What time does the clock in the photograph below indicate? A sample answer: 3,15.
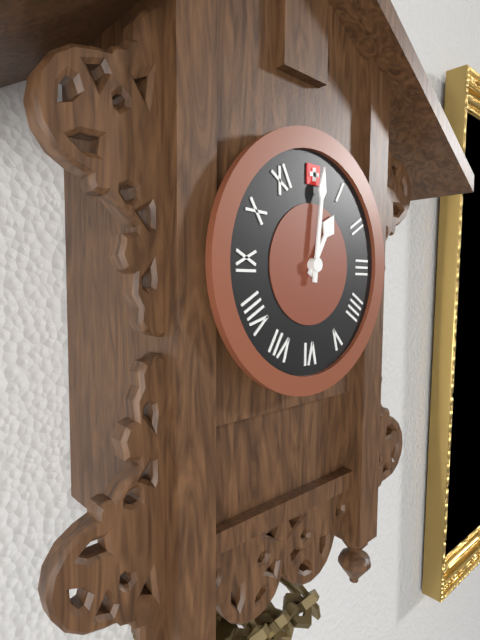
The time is 1,01
